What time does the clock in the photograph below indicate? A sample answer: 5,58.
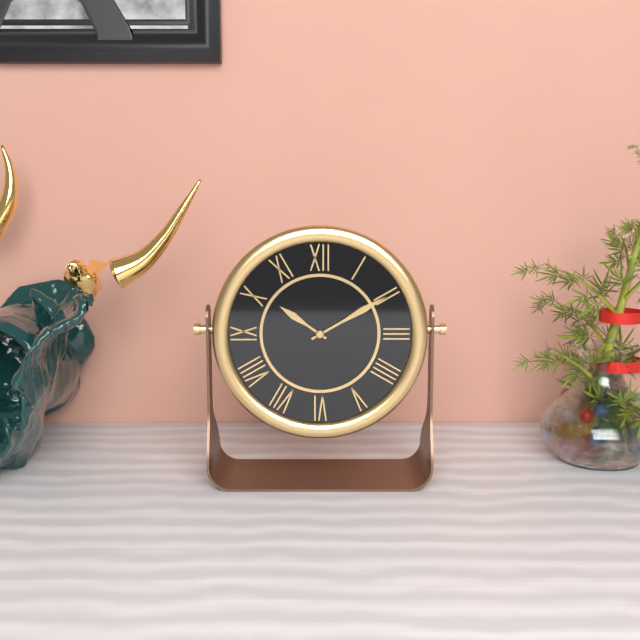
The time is 10,10
